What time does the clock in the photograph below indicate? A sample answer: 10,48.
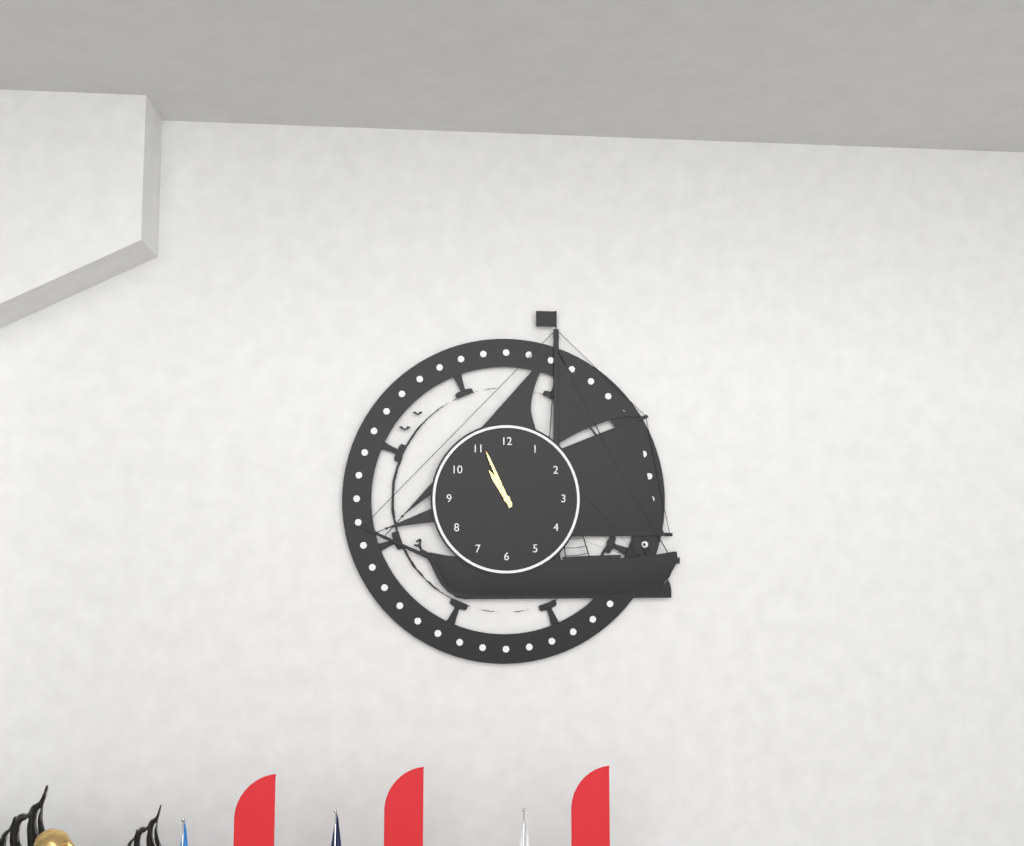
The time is 10,56
